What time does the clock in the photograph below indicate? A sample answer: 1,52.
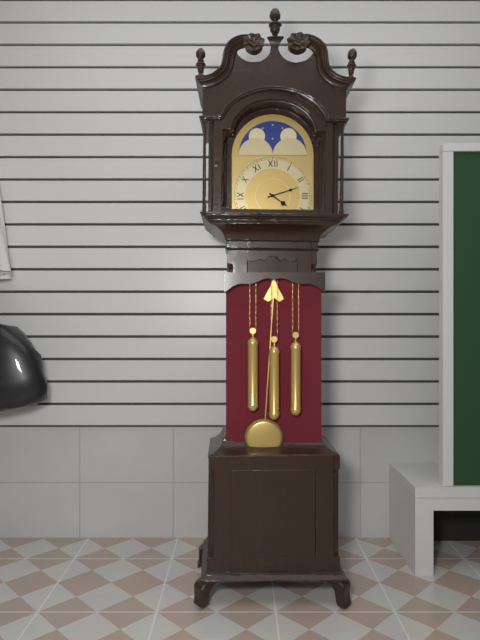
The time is 4,12
